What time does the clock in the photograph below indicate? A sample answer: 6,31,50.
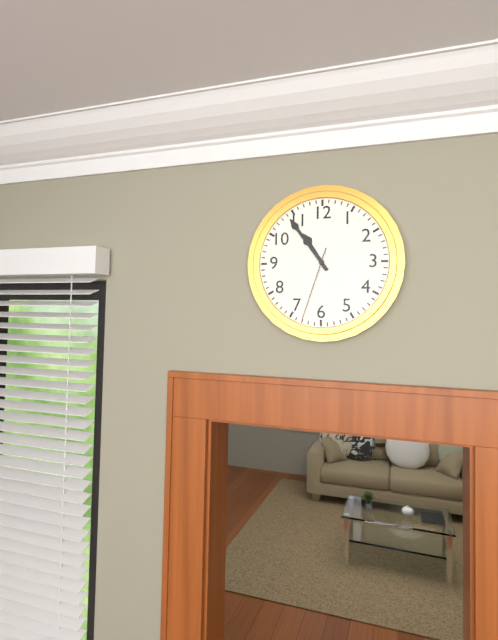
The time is 10,54,33
